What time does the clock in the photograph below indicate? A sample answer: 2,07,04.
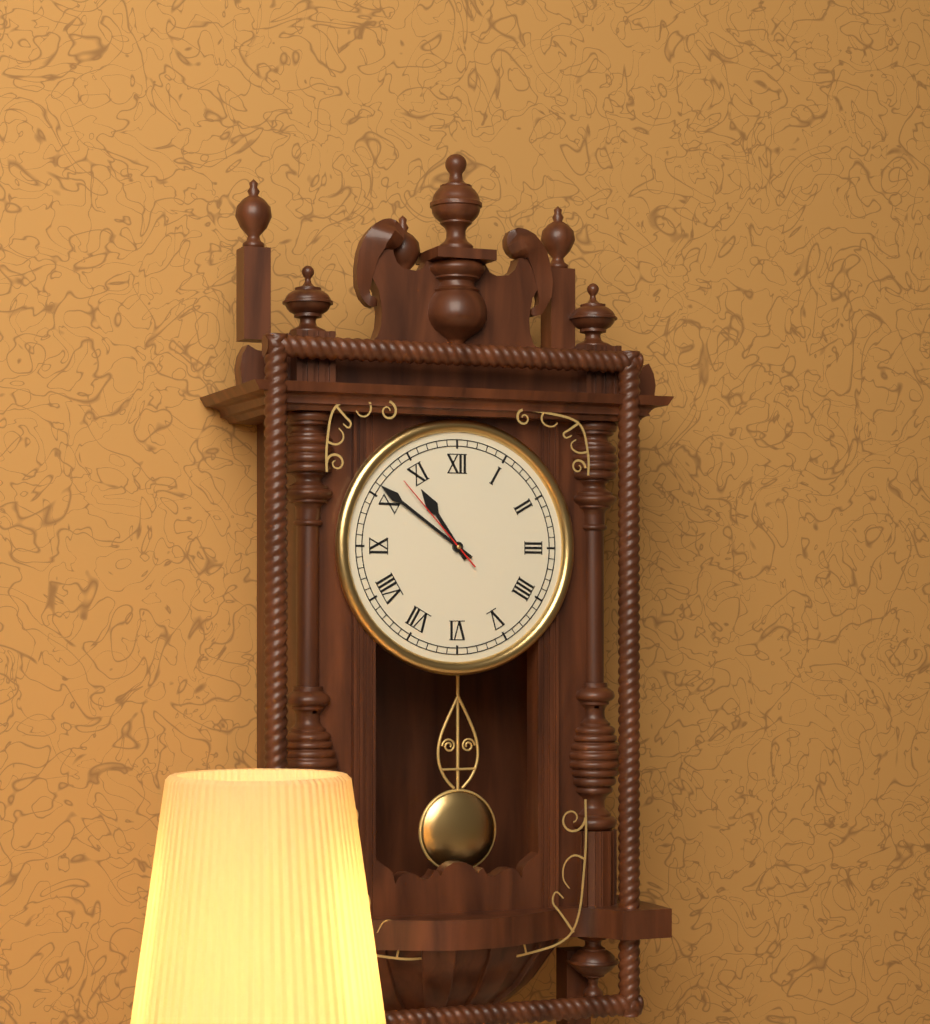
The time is 10,51,53
